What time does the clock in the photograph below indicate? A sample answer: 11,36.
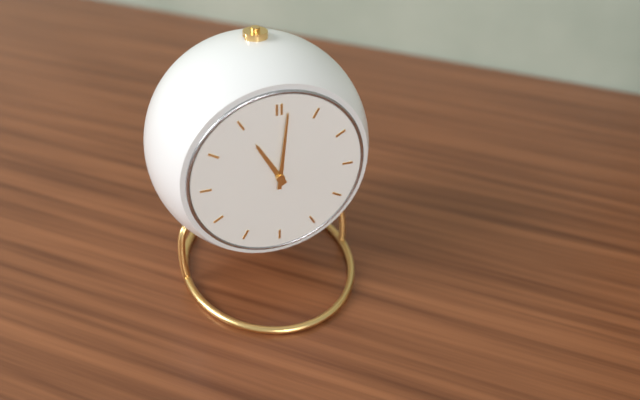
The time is 11,01
